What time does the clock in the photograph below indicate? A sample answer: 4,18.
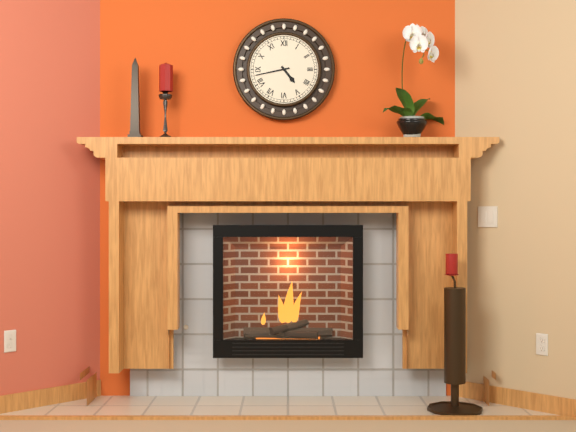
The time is 4,43
